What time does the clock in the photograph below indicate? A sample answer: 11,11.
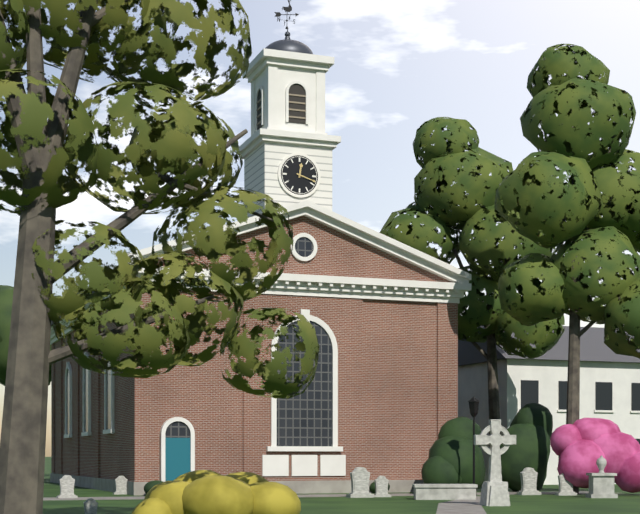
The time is 12,18
